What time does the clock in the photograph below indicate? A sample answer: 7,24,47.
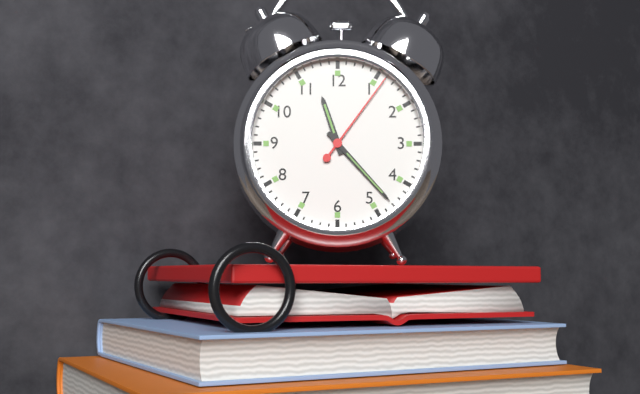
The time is 11,23,06
